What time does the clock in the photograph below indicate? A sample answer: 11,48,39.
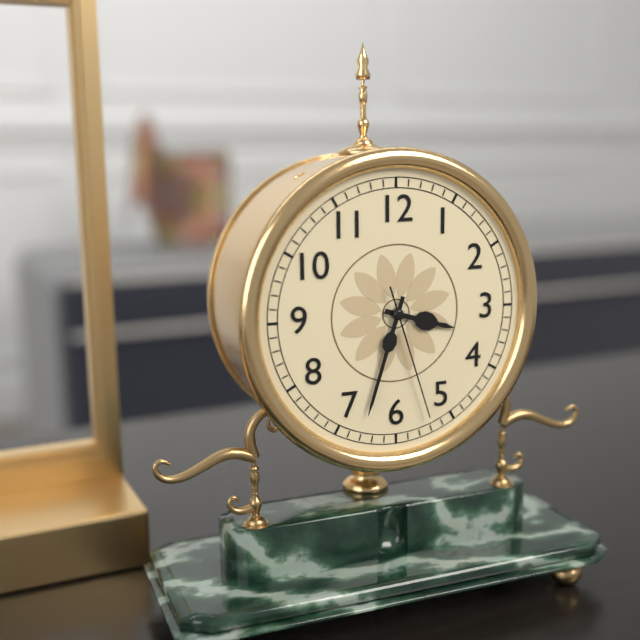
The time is 3,33,27
